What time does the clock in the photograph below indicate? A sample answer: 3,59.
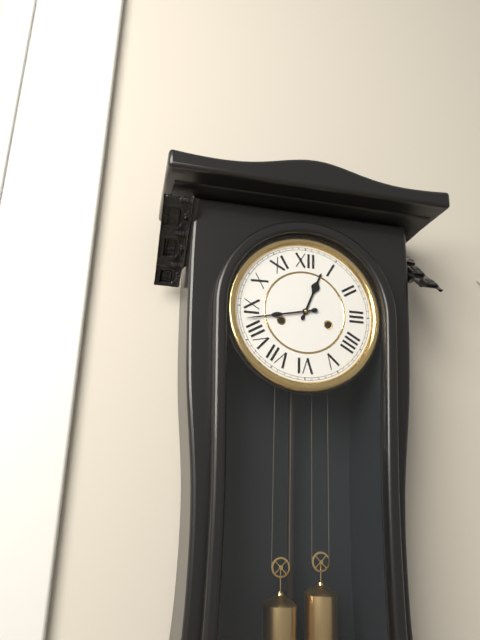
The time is 12,43
